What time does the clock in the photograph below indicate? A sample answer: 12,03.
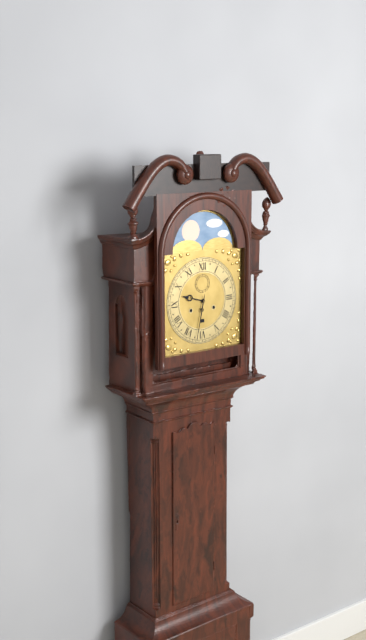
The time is 9,32
